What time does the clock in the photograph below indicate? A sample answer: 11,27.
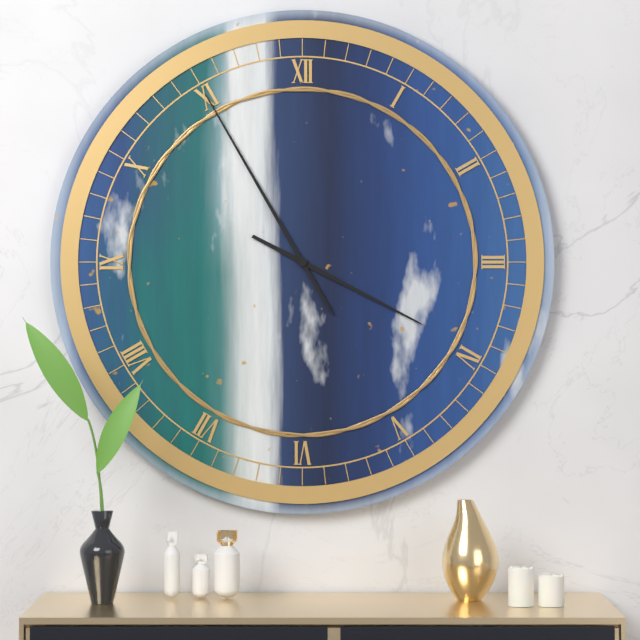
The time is 3,55
